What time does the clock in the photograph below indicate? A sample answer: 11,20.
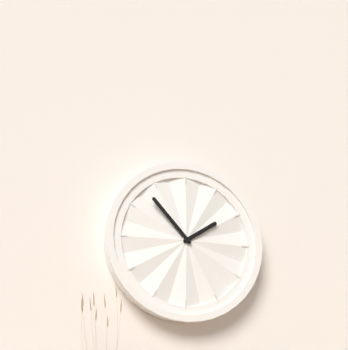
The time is 1,53
